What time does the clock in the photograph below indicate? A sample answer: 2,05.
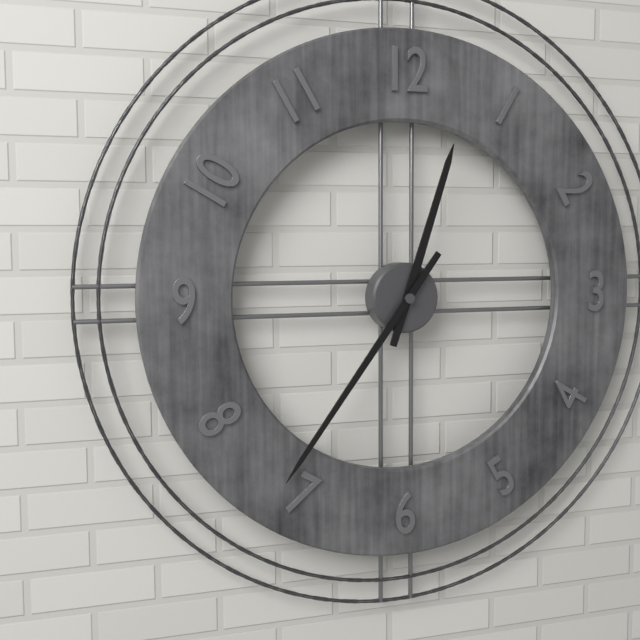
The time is 12,36
